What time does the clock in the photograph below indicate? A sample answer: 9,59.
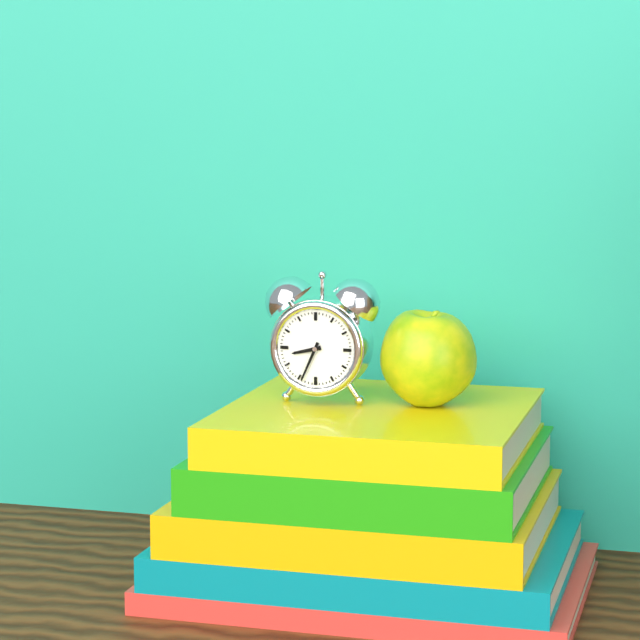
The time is 8,34
